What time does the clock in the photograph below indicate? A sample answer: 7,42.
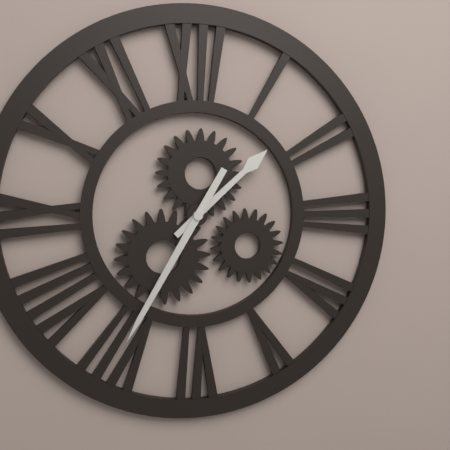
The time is 1,35
